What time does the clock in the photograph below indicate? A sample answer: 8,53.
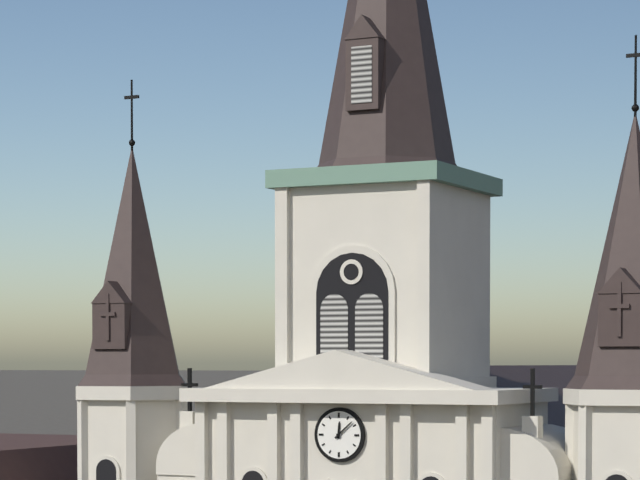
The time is 12,08
